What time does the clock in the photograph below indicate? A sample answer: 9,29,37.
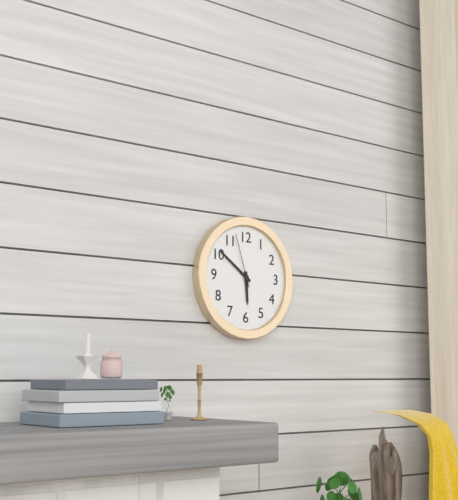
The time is 5,51,57
